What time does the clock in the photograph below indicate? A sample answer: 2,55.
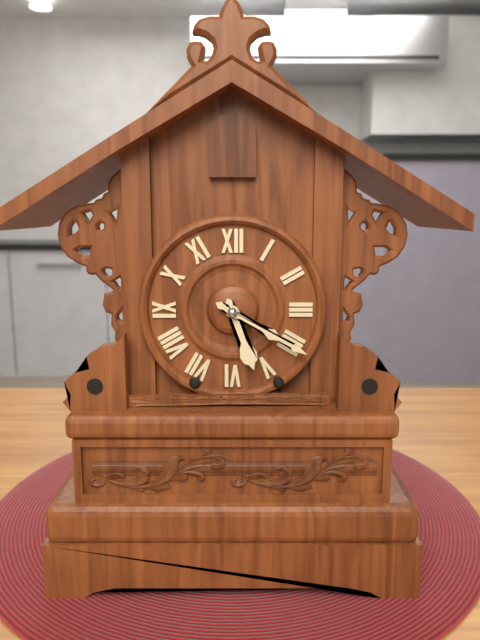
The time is 5,20
